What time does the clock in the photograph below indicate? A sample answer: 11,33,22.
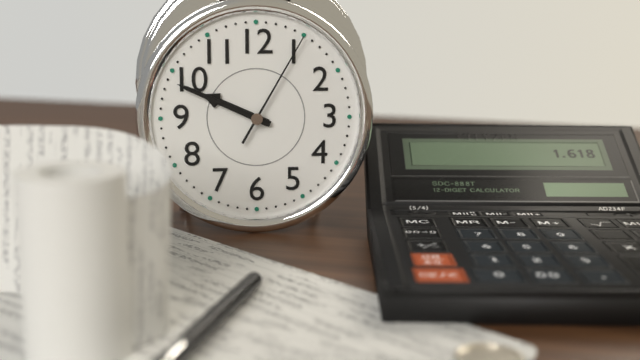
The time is 9,49,05
